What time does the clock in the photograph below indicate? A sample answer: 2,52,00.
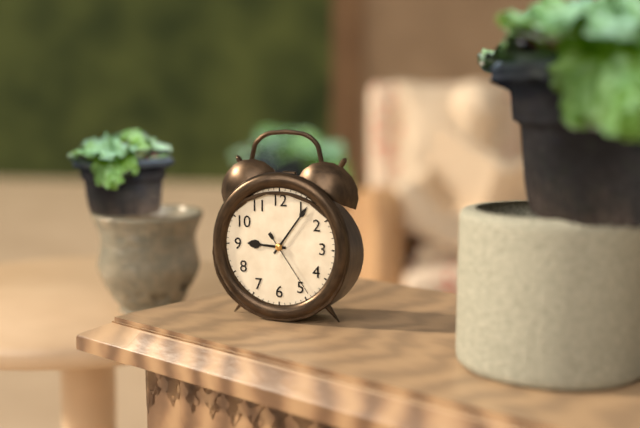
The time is 9,06,24
